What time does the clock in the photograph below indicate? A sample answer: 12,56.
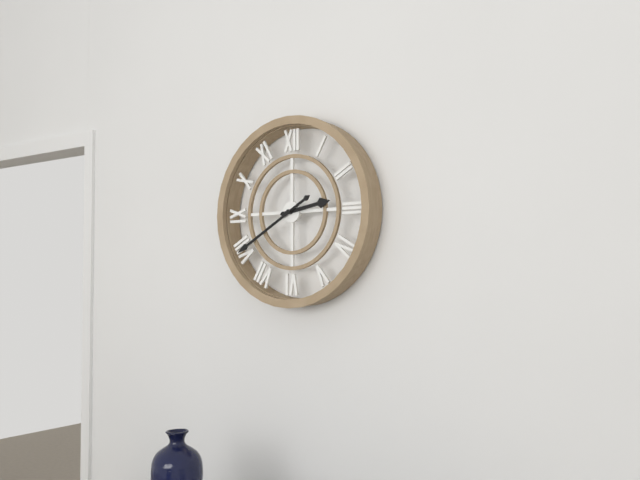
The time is 2,40
